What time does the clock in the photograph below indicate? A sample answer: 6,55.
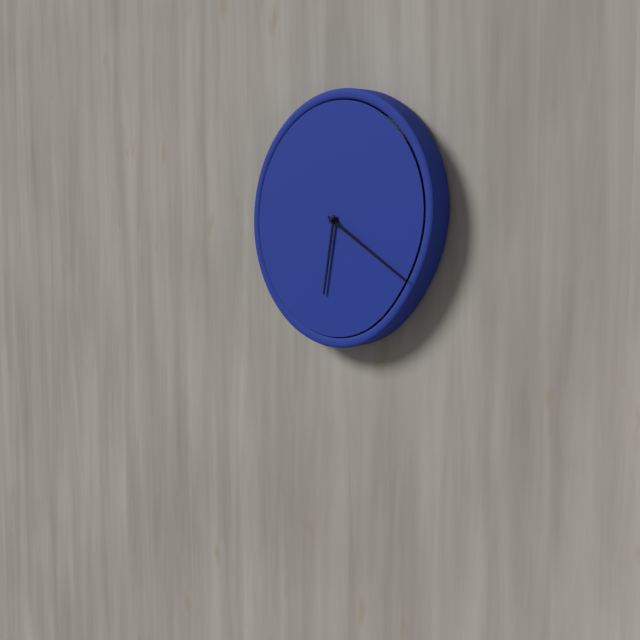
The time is 6,20
